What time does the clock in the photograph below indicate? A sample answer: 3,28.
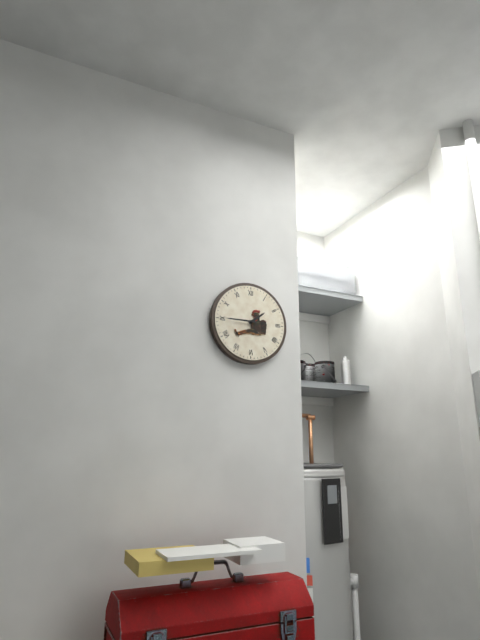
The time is 1,45
